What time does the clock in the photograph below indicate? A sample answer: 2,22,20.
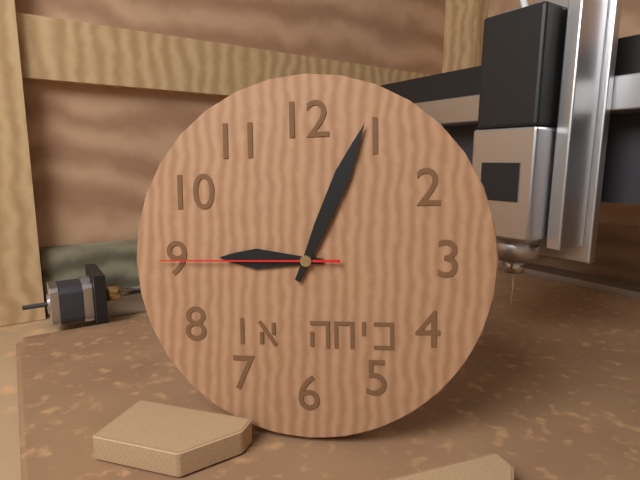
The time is 9,04,45
